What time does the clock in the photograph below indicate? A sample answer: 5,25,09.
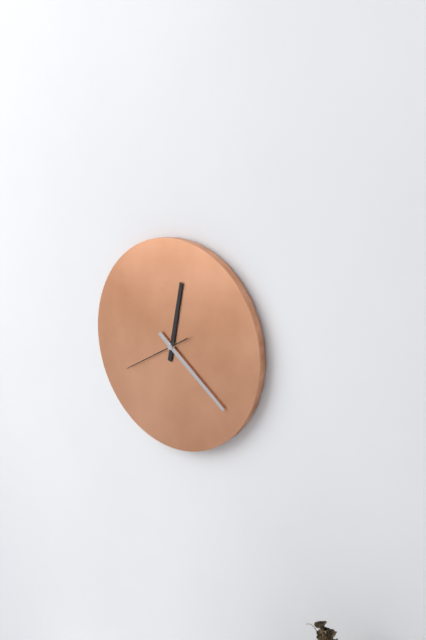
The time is 12,21,40
